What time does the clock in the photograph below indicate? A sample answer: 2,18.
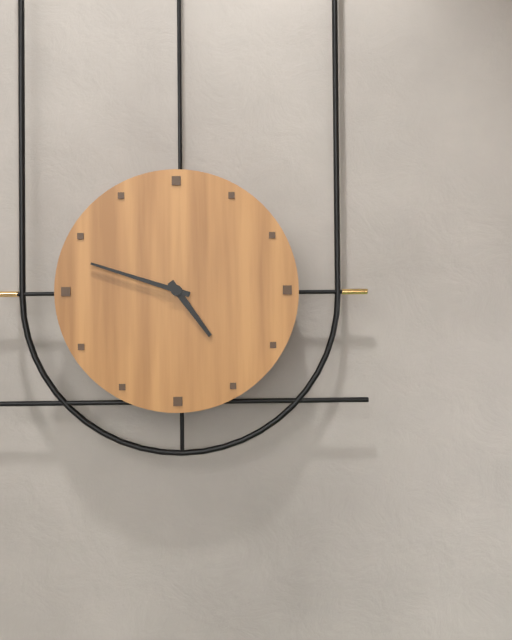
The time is 4,48
